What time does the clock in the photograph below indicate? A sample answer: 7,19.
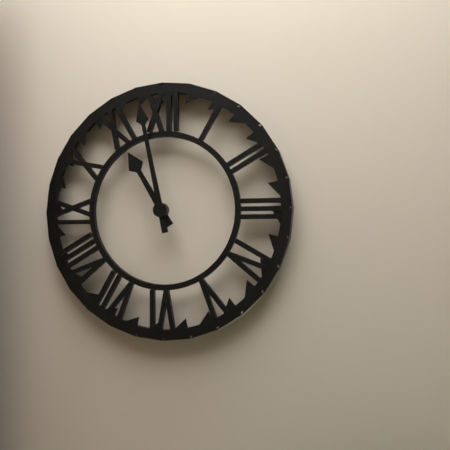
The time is 10,58
